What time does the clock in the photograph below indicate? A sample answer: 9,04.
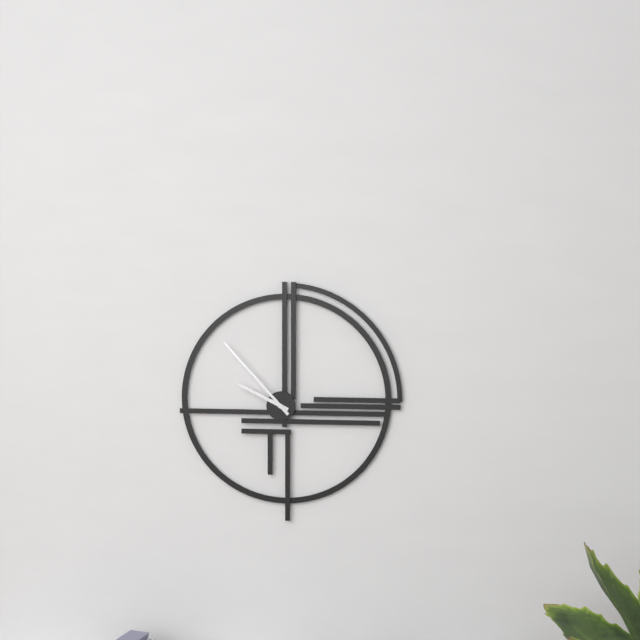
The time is 9,53
